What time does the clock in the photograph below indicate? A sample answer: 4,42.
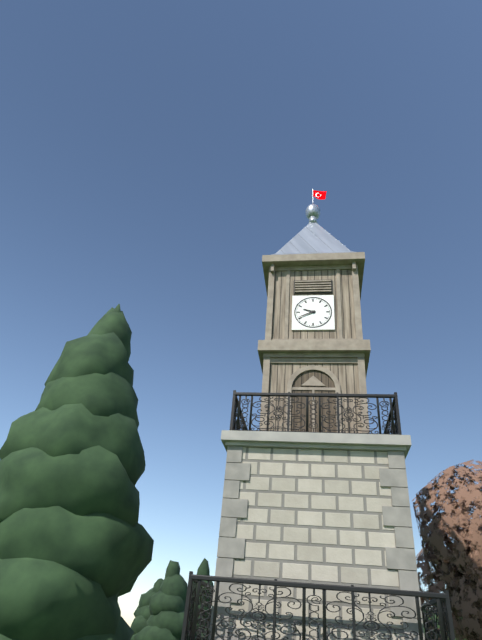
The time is 9,41
